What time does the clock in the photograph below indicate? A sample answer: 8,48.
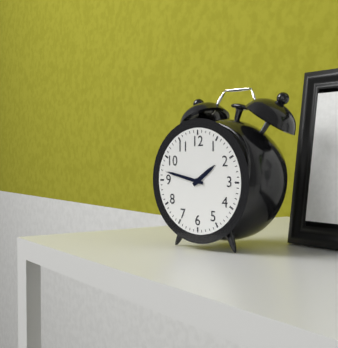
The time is 1,47
